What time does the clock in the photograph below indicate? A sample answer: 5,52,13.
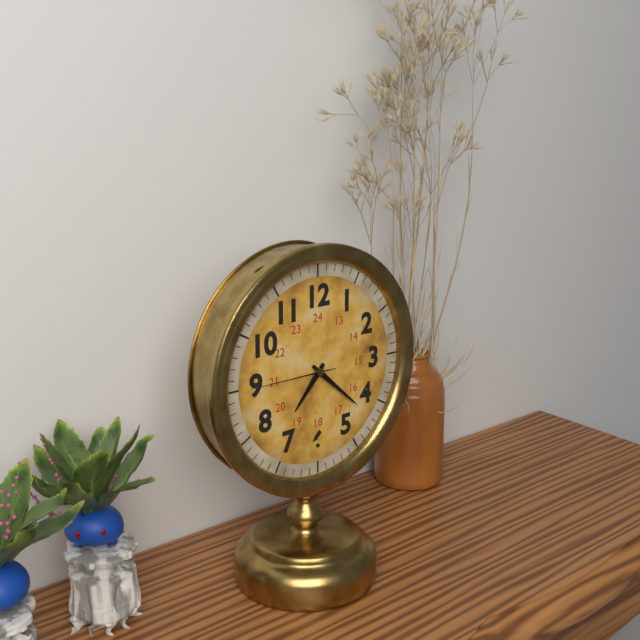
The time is 7,22,45
